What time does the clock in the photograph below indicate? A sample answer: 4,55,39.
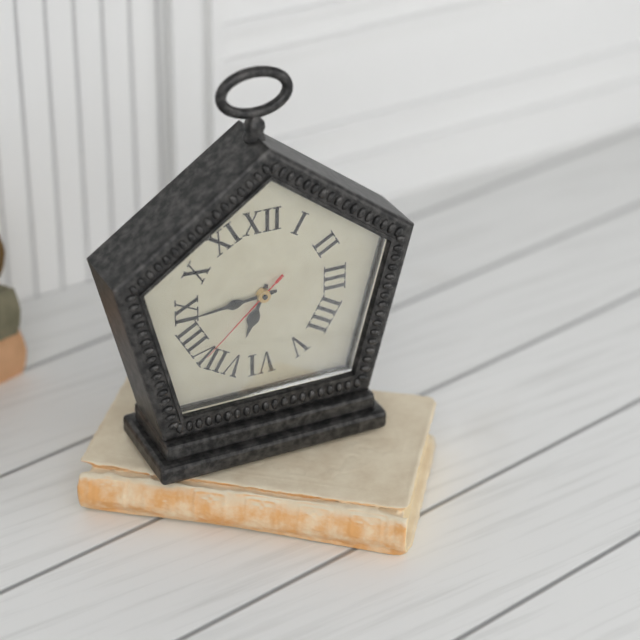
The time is 6,44,38
